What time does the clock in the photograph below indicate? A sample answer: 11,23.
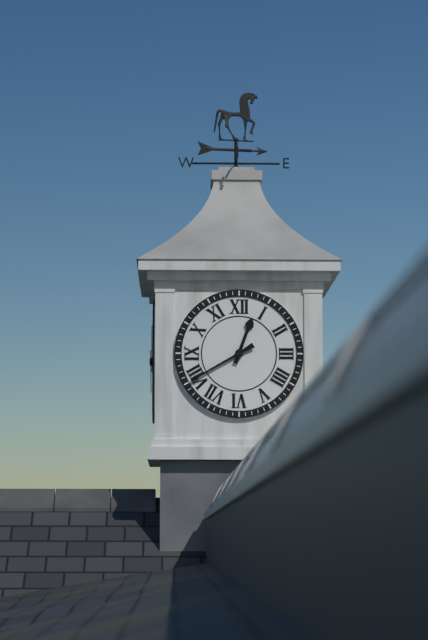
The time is 12,40
